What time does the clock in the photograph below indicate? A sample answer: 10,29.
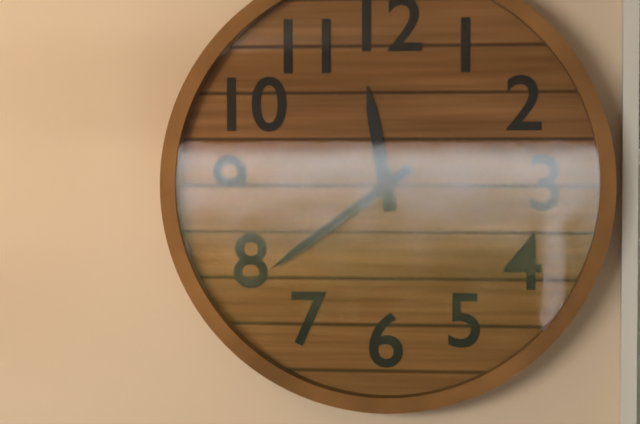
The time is 11,39
